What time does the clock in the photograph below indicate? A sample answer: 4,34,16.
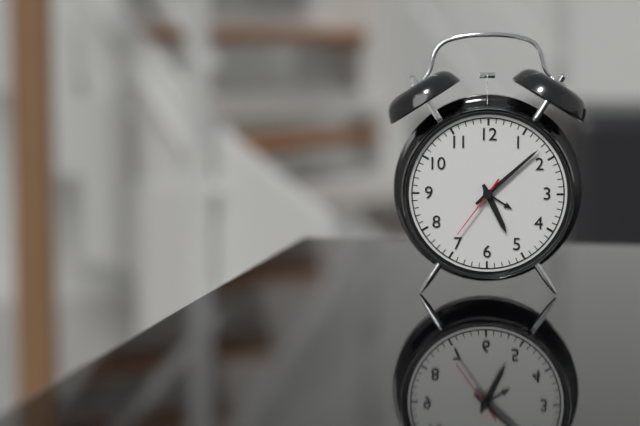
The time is 5,08,36
